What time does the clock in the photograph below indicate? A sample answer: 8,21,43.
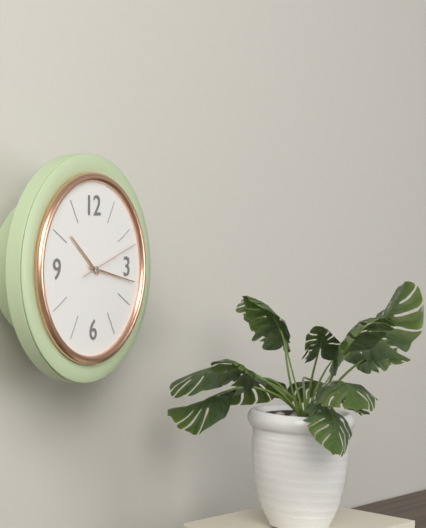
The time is 10,17,12
